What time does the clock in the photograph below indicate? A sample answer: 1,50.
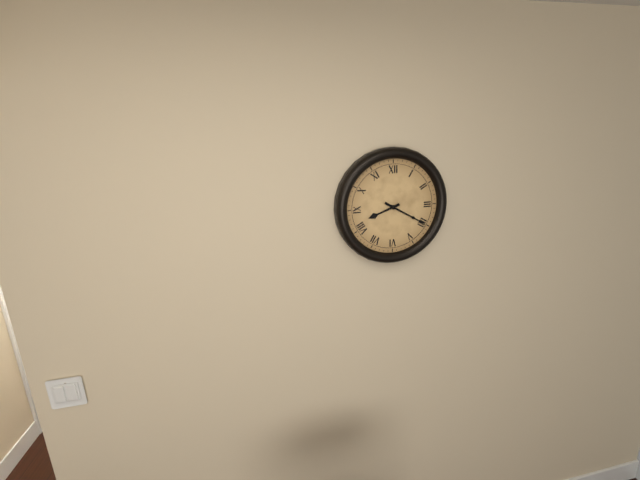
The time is 8,20
